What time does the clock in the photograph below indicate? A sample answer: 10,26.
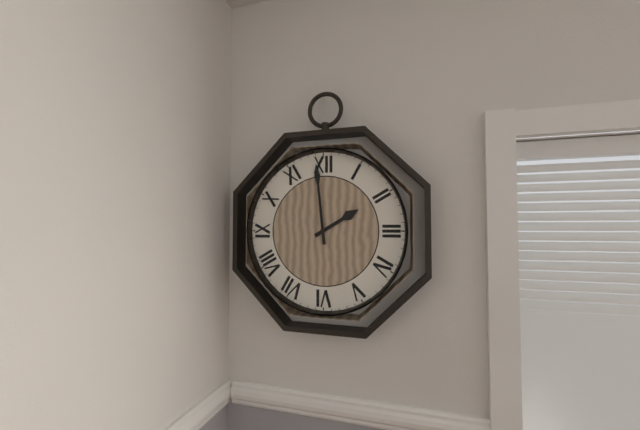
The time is 1,59
